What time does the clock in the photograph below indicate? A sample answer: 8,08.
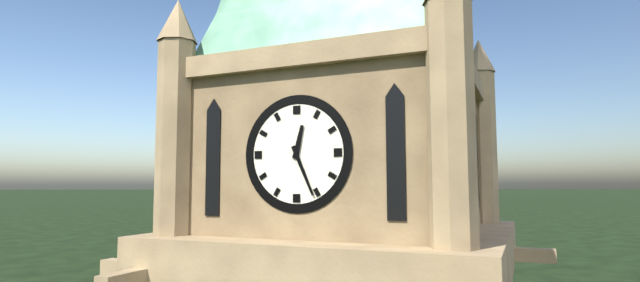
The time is 12,26
